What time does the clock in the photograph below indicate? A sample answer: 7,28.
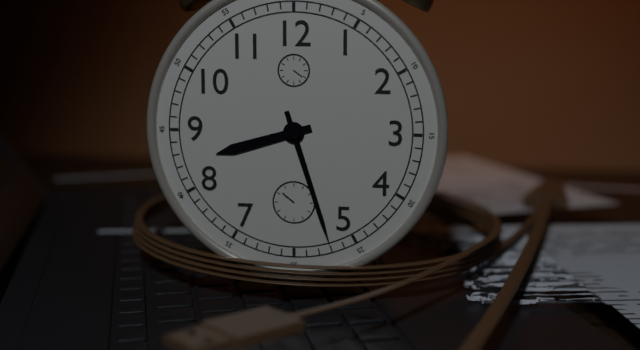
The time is 8,27
